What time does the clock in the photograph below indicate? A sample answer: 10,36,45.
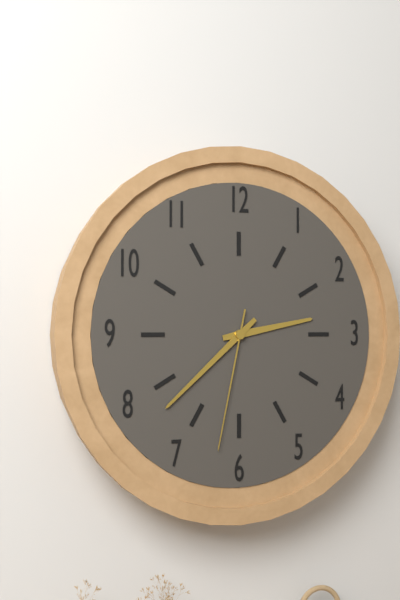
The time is 2,38,32
